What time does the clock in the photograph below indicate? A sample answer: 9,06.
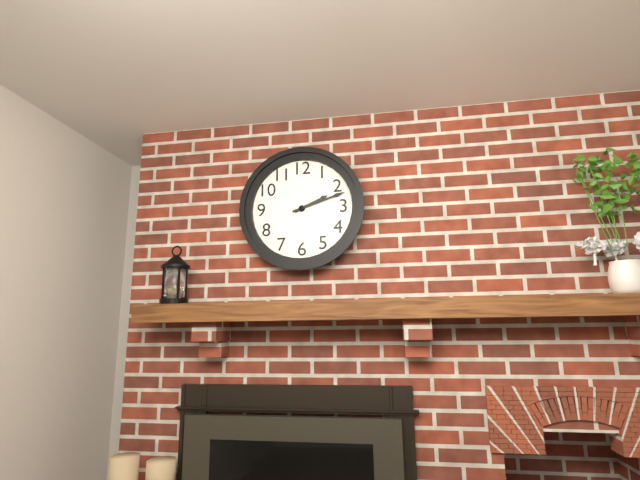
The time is 2,12
